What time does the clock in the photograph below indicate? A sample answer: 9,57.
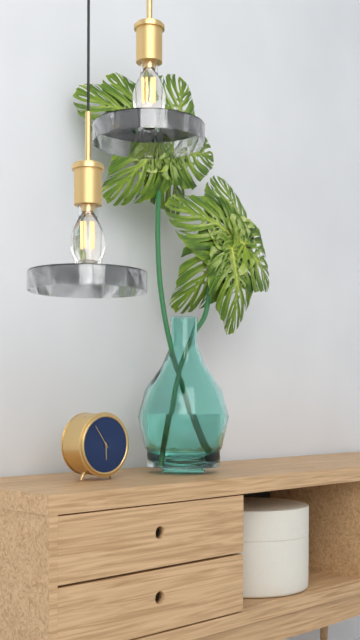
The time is 5,54
